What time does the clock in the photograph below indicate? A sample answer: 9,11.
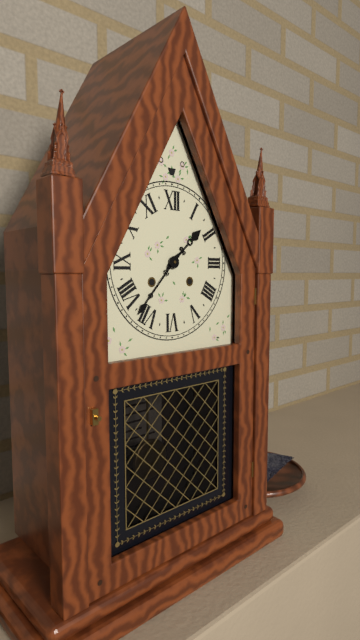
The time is 1,37
